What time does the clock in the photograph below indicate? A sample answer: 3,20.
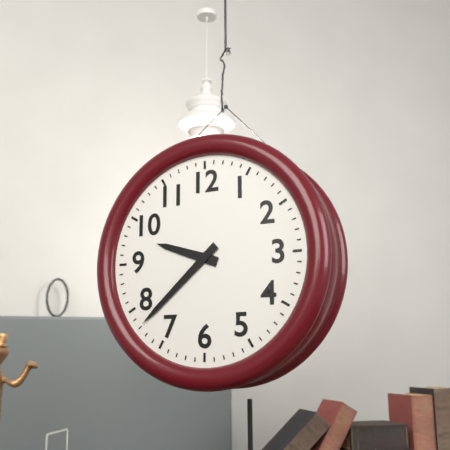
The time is 9,38
